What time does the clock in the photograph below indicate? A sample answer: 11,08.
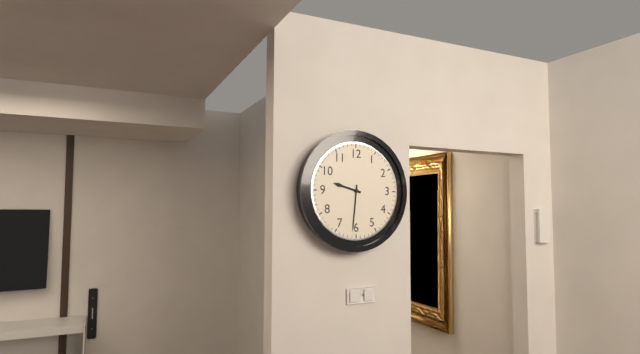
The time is 9,31
